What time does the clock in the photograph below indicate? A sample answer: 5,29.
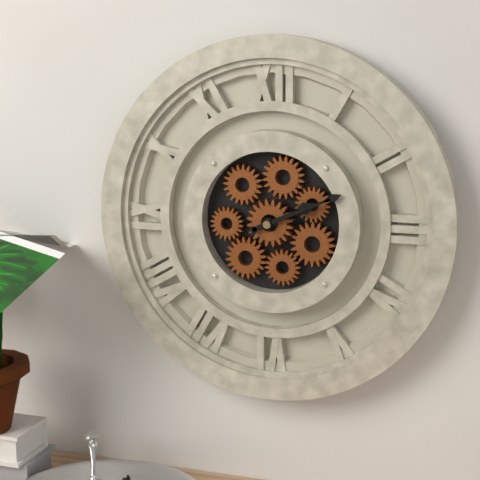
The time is 2,11
